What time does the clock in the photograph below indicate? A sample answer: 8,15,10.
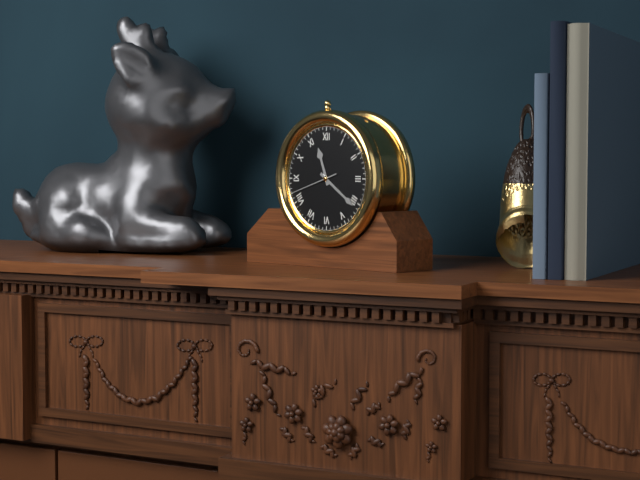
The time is 11,21,42
